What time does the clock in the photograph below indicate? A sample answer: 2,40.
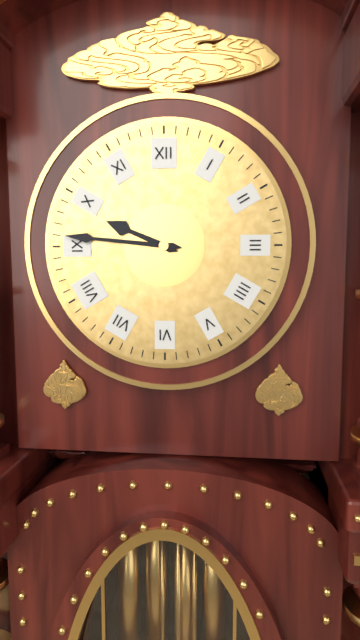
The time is 9,46
